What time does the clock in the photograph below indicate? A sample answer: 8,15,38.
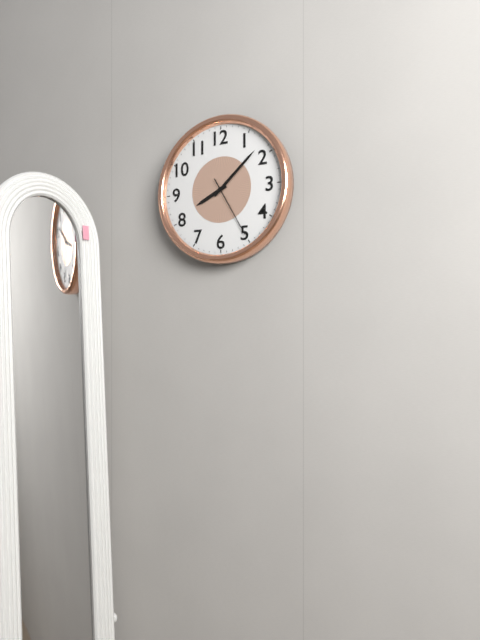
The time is 8,08,25
